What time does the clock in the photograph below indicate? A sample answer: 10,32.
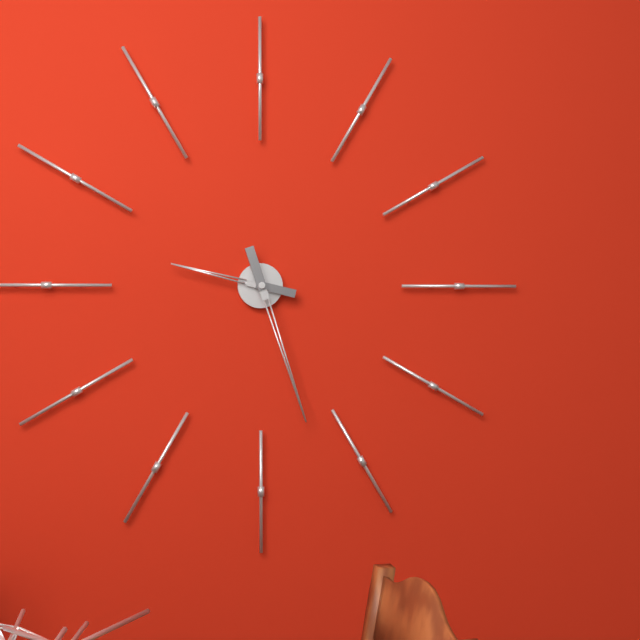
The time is 9,27
